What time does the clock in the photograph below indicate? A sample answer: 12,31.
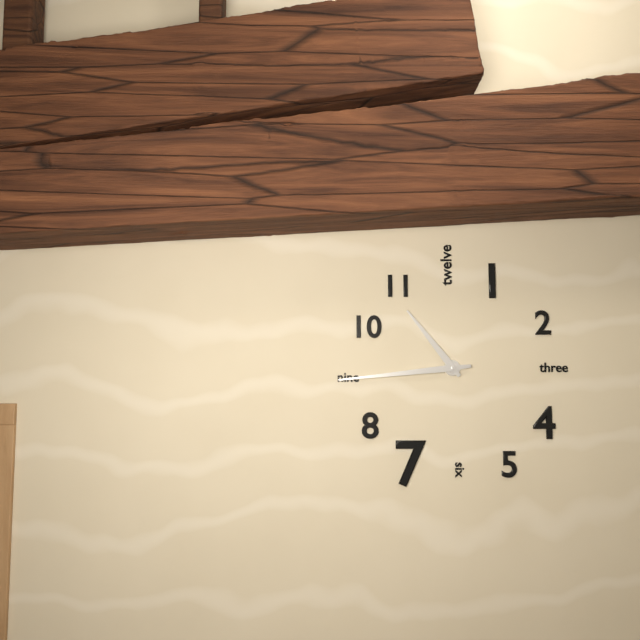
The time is 10,44
